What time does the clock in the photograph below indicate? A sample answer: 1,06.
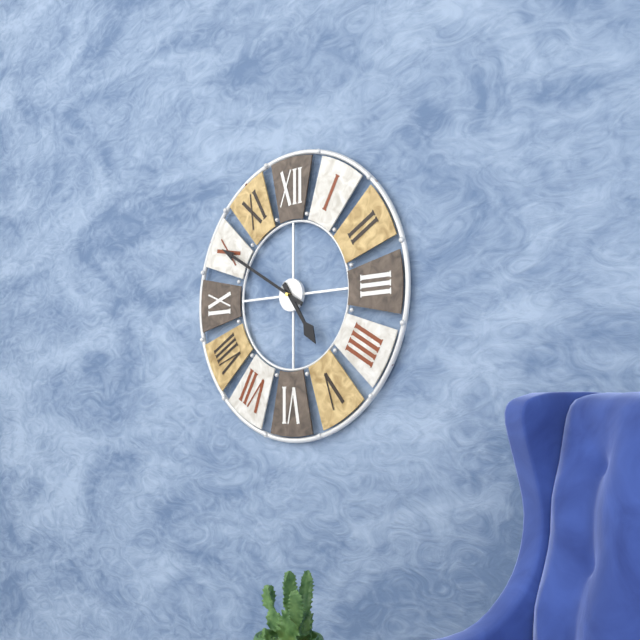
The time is 4,50
